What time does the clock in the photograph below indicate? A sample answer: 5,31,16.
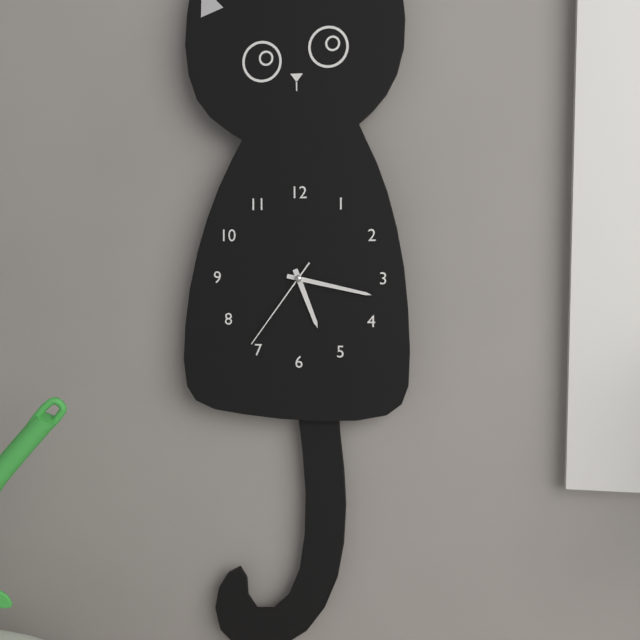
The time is 5,17,36
